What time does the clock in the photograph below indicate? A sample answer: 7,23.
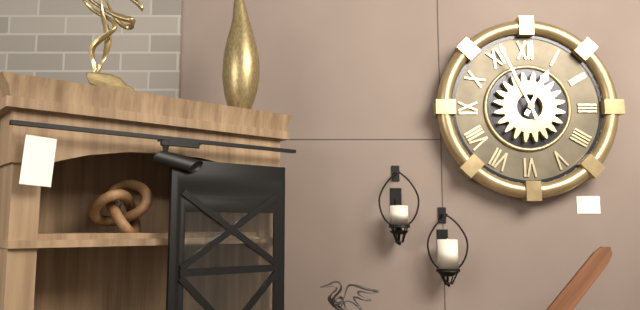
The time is 12,56
